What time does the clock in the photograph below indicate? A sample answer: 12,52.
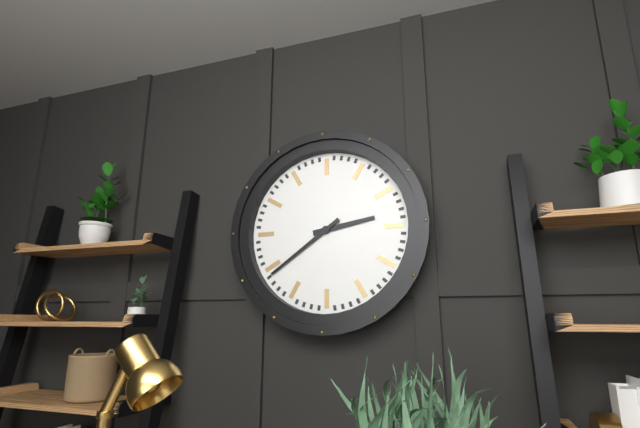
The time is 2,39
